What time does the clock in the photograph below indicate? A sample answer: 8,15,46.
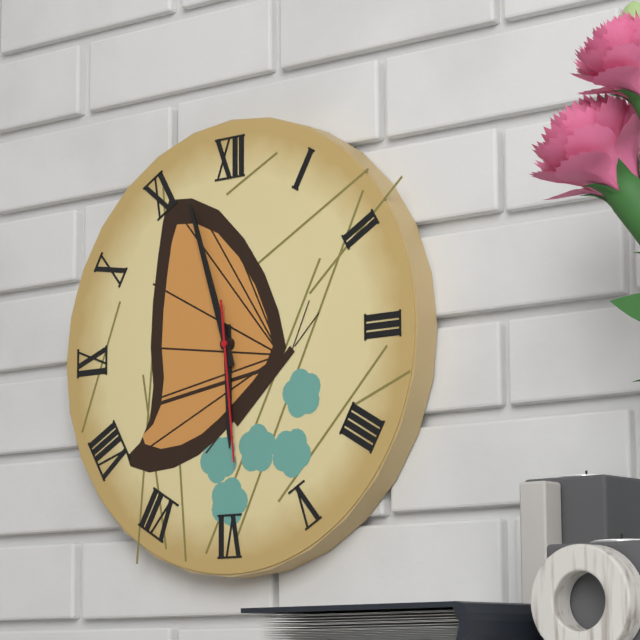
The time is 5,57,29
